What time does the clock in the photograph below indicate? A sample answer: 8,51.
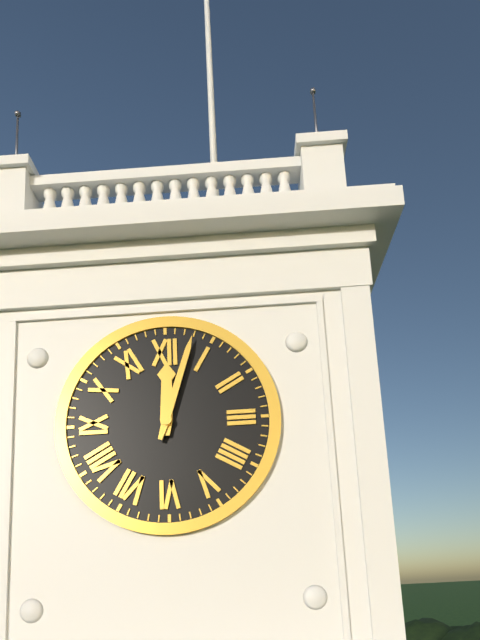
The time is 12,03
